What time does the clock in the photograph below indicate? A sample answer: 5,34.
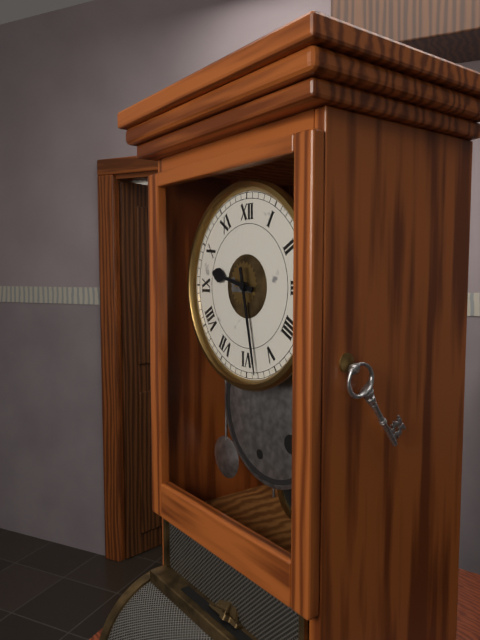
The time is 9,28
